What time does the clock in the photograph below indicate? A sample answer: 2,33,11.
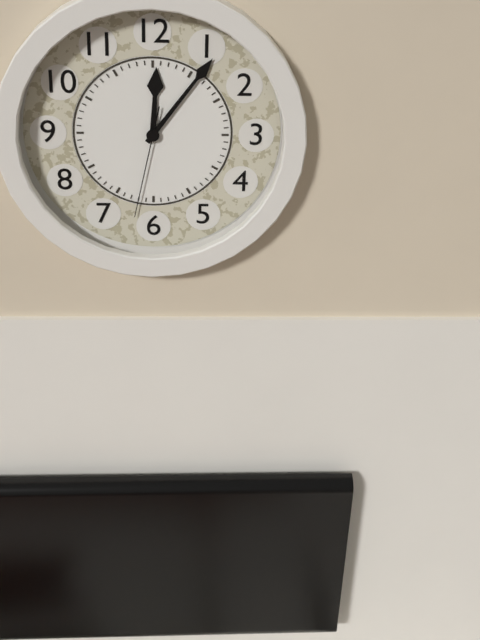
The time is 12,06,32
